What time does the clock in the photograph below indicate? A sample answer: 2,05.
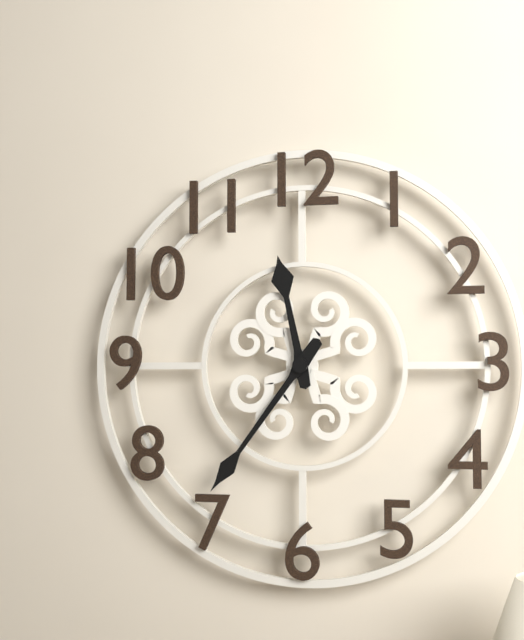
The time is 11,36
